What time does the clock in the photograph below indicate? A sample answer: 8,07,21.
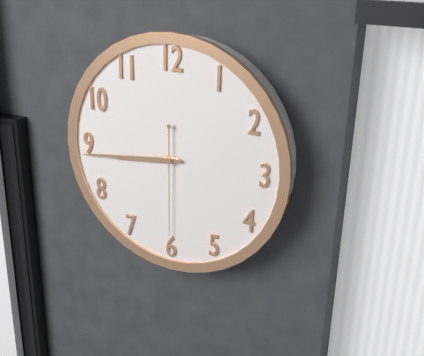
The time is 8,44,30
